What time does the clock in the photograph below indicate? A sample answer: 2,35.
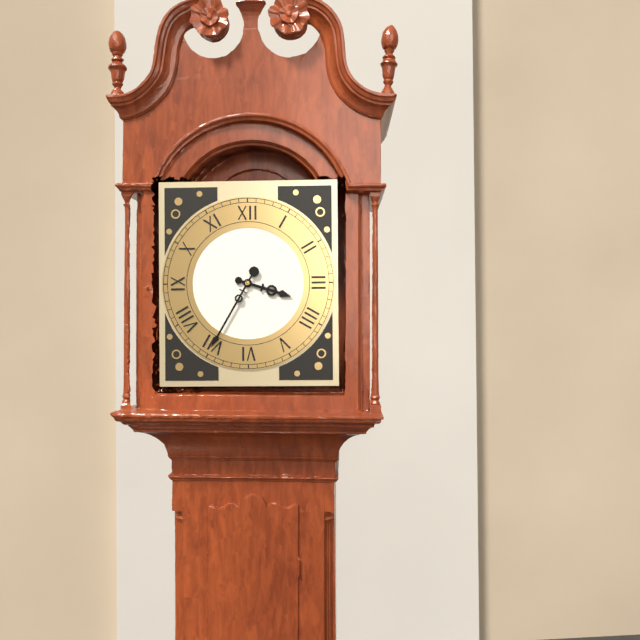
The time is 3,35
